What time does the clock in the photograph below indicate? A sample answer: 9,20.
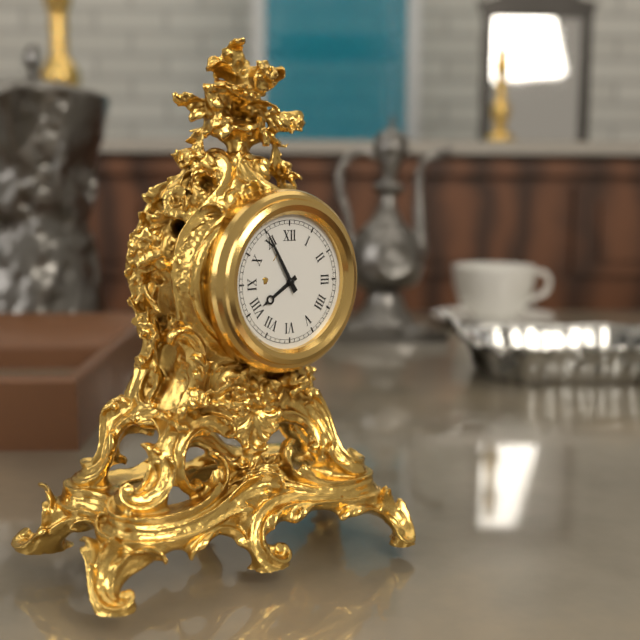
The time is 7,55
